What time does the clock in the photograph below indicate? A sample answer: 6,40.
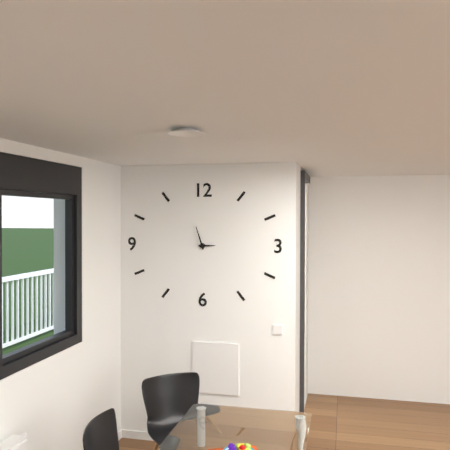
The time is 2,57
